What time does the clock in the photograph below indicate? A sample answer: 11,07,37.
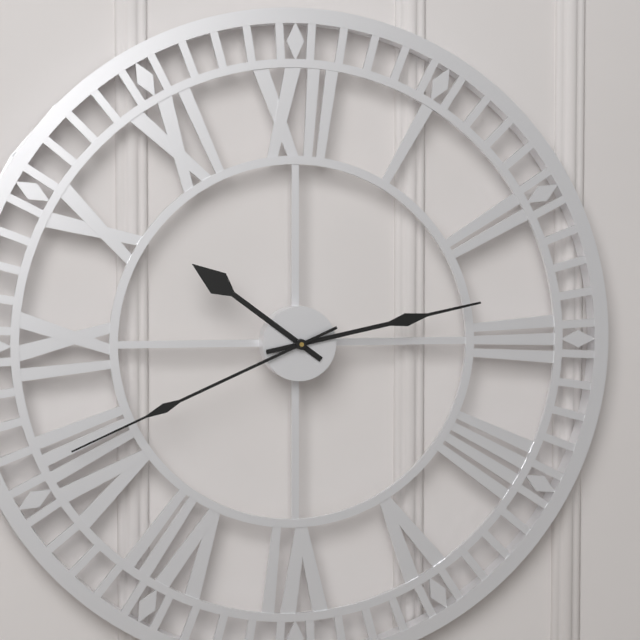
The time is 10,13,41
